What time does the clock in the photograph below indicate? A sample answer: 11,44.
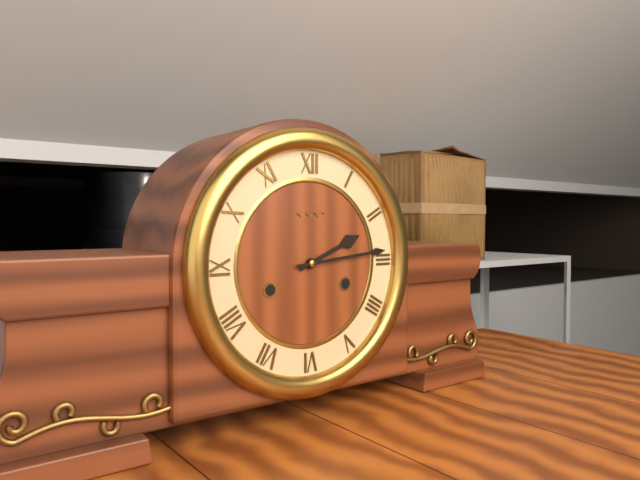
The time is 2,14
